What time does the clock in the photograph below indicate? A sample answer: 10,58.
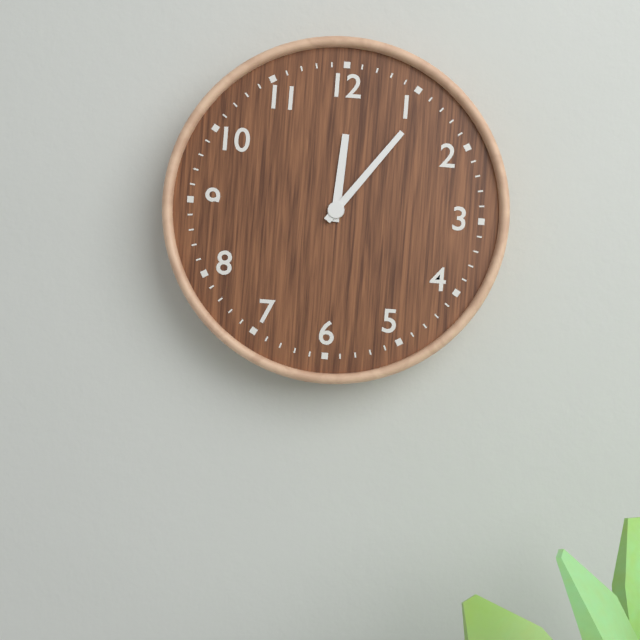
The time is 12,06
